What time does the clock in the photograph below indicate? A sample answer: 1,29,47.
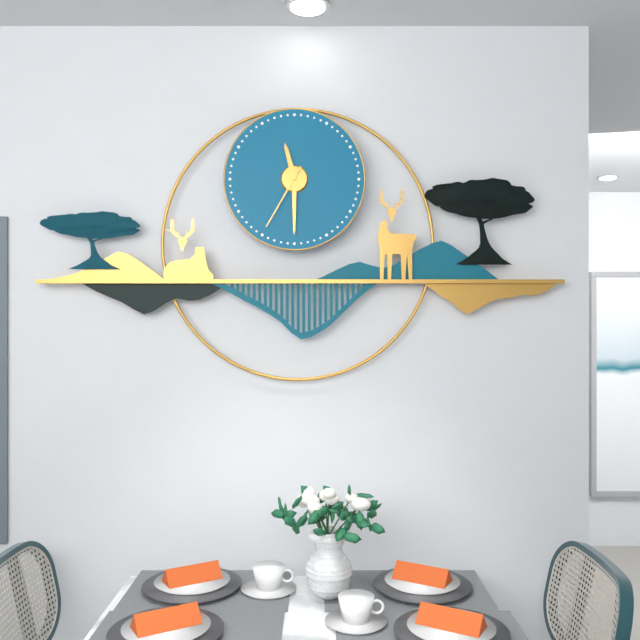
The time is 11,30,35
